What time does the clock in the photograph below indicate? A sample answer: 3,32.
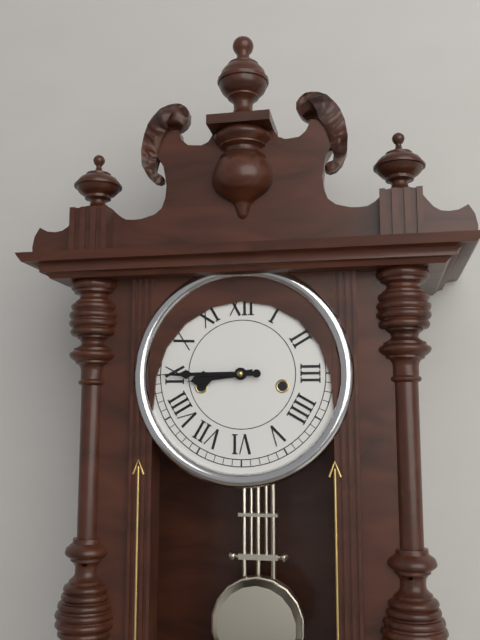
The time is 8,45
